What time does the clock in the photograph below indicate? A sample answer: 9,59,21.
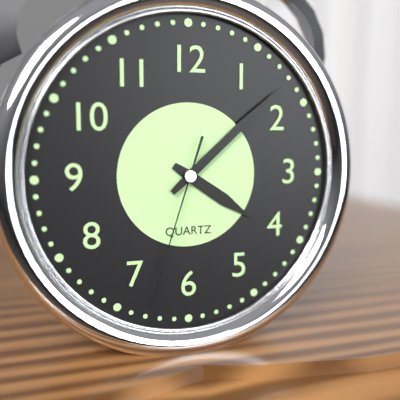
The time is 4,08,33
